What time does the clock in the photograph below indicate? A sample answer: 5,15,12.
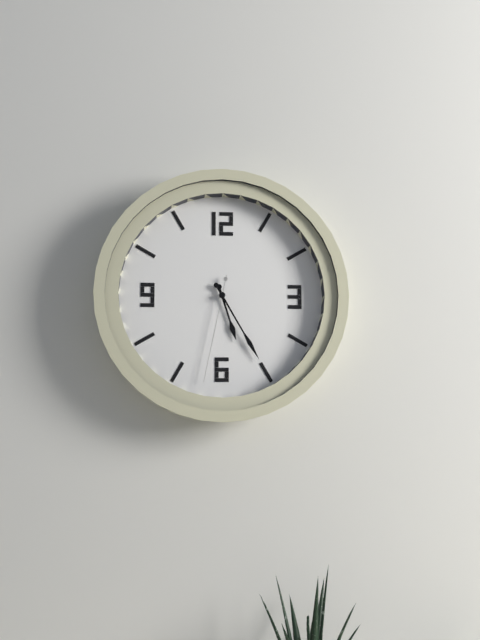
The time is 5,25,32
